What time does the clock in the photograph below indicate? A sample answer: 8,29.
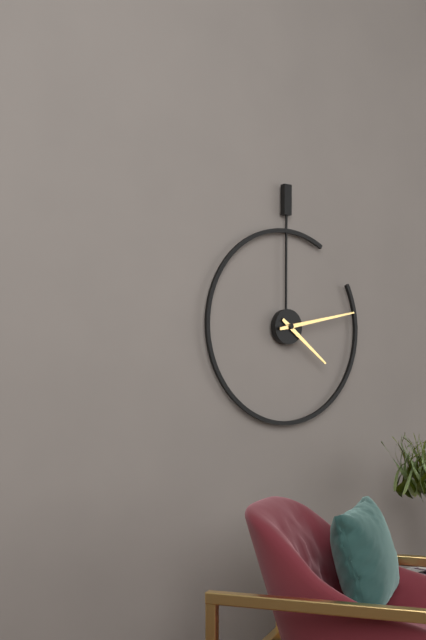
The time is 4,13
